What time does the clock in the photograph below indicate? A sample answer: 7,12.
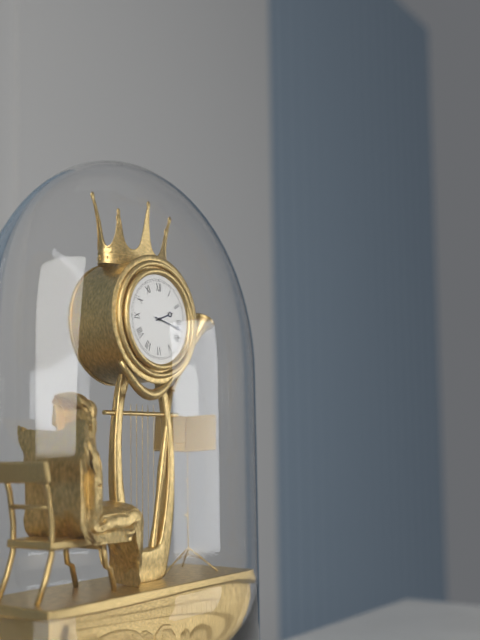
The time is 2,17
